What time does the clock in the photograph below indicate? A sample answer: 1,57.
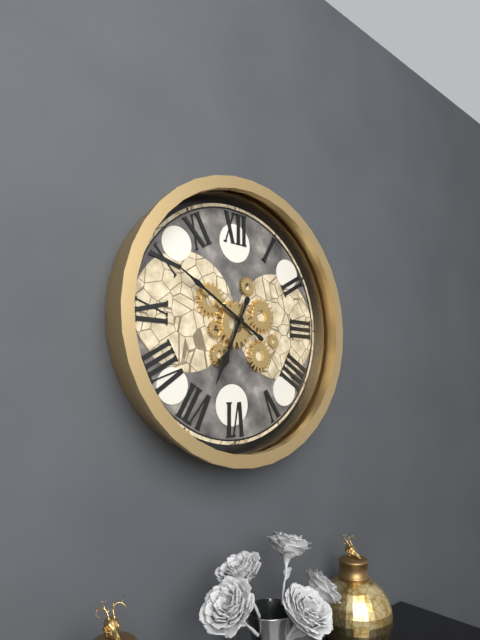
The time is 6,50
